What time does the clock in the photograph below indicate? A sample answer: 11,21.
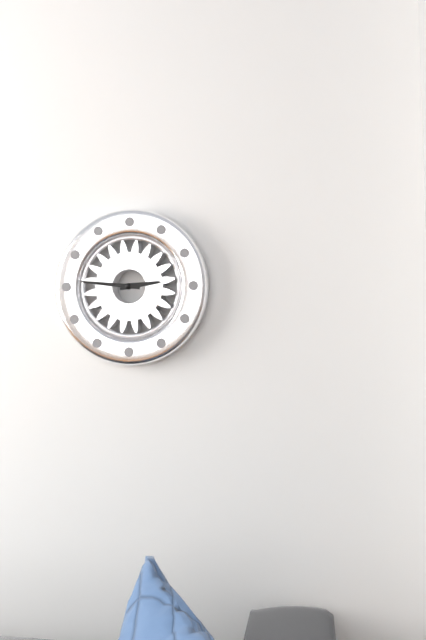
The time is 2,46
